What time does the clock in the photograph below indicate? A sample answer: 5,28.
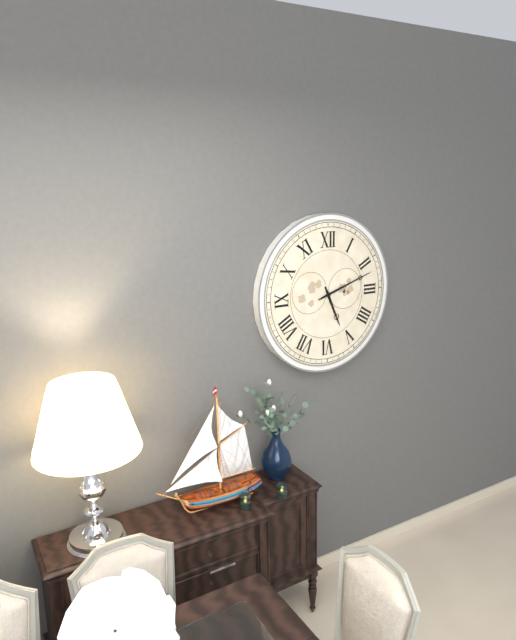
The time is 5,12
